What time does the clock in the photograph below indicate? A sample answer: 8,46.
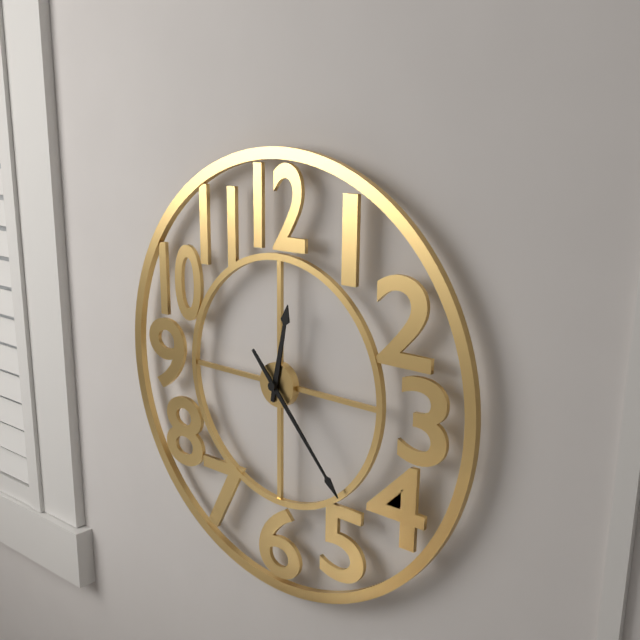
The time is 12,23
